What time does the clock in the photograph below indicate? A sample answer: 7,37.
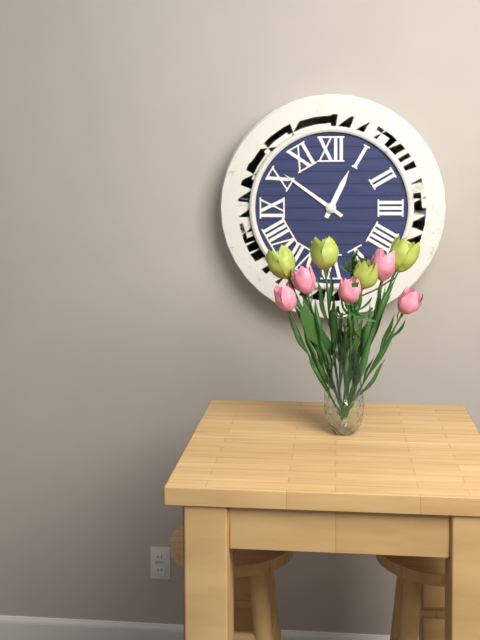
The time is 12,51
